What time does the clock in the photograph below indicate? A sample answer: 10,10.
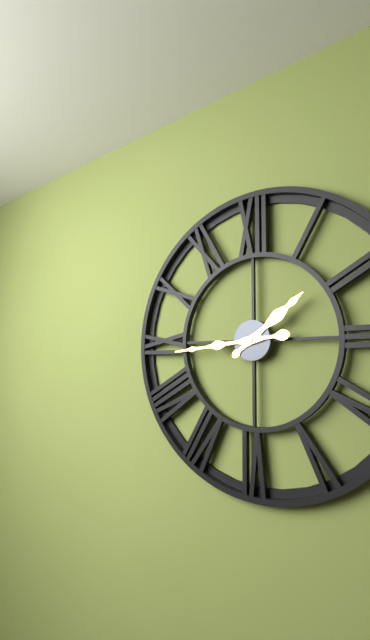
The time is 1,44
